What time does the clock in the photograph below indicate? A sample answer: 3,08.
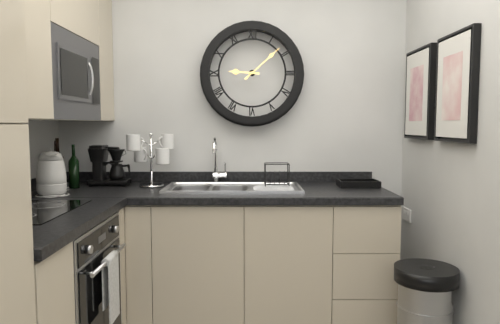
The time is 9,08
